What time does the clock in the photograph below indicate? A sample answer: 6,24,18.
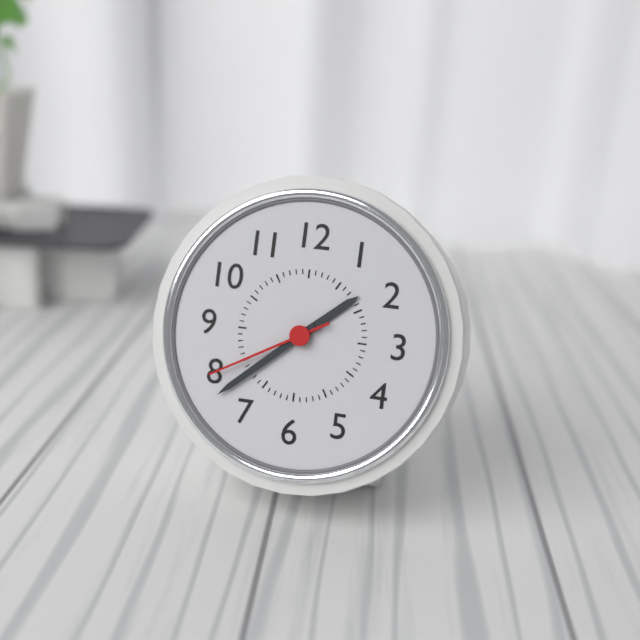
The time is 1,38,40
